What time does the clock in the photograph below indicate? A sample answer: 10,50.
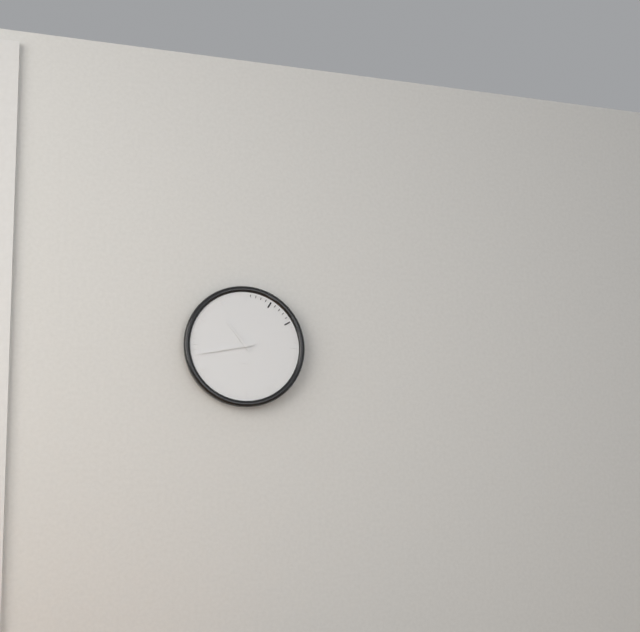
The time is 10,43
